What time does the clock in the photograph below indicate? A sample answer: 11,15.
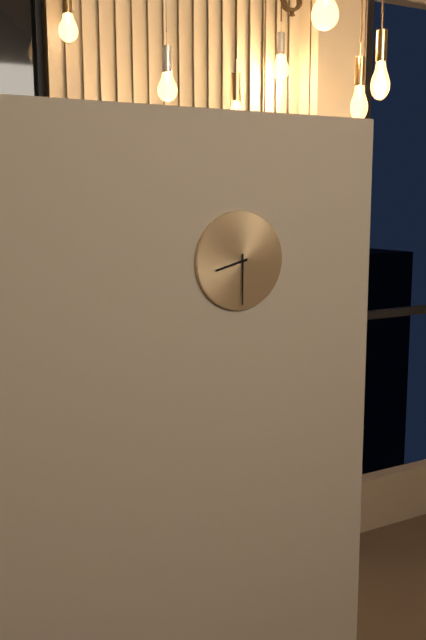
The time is 8,30
